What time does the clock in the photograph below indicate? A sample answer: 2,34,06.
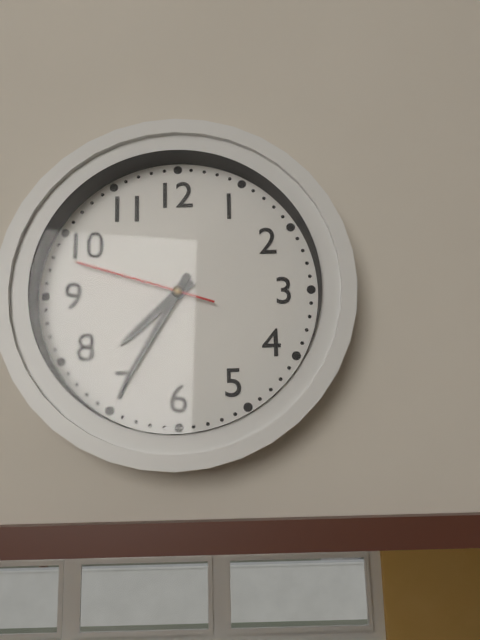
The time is 7,35,48
